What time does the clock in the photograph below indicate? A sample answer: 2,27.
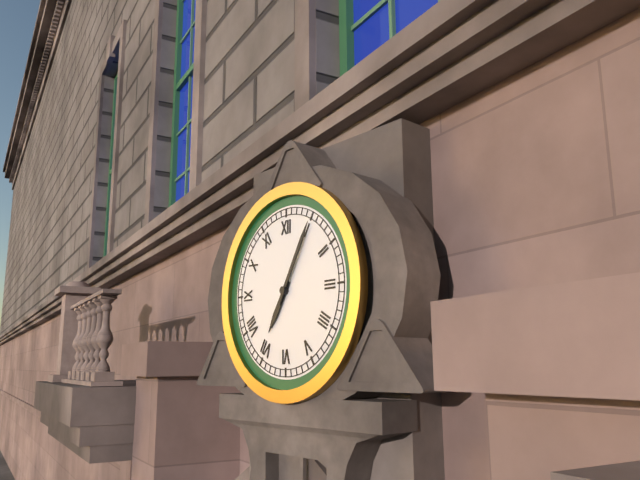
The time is 7,05
